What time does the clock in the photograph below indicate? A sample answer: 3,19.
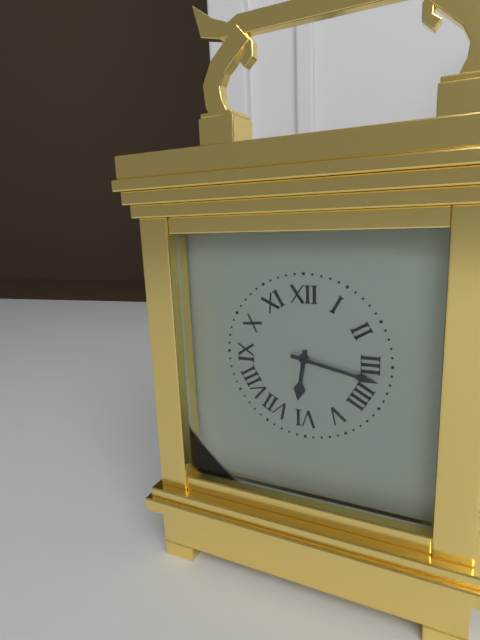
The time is 6,17
